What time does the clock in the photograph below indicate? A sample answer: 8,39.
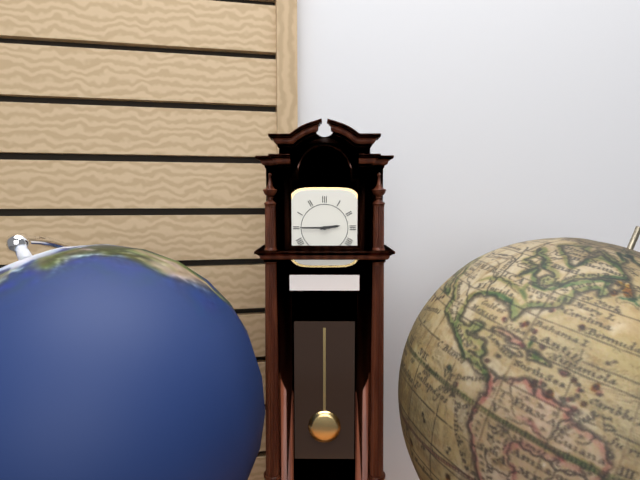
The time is 2,45
